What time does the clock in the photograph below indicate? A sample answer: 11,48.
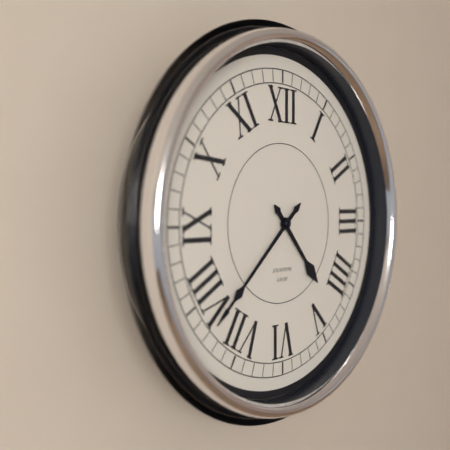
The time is 4,38
